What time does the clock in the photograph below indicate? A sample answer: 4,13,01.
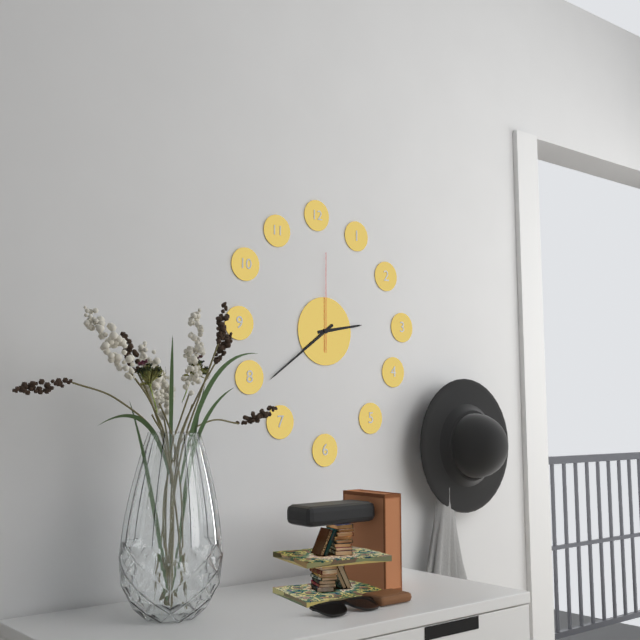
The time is 2,39,00
